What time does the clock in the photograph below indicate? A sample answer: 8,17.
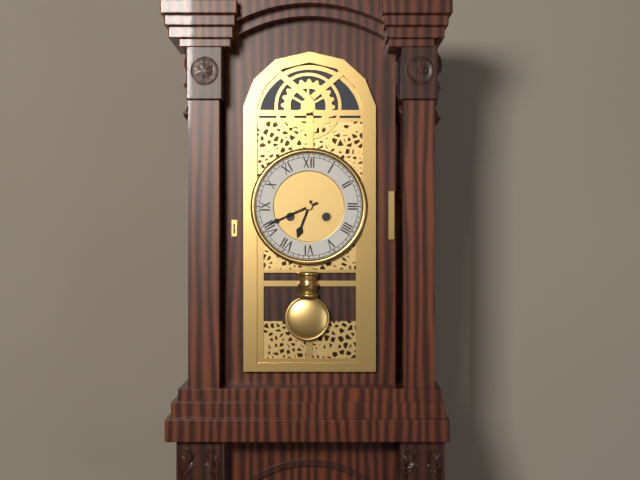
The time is 6,41
